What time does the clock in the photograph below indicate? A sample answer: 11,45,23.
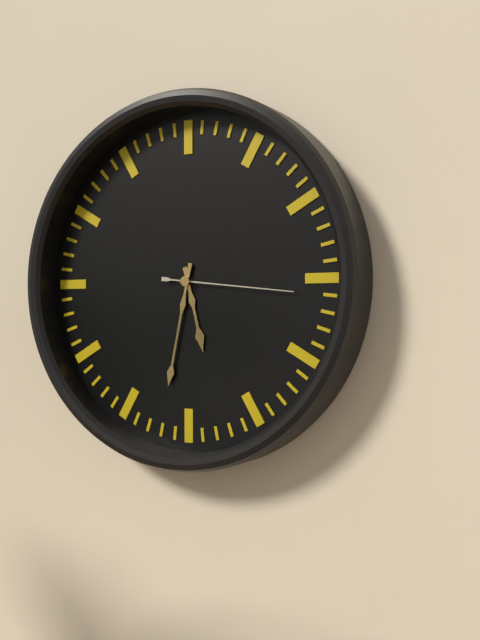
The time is 5,32,16
